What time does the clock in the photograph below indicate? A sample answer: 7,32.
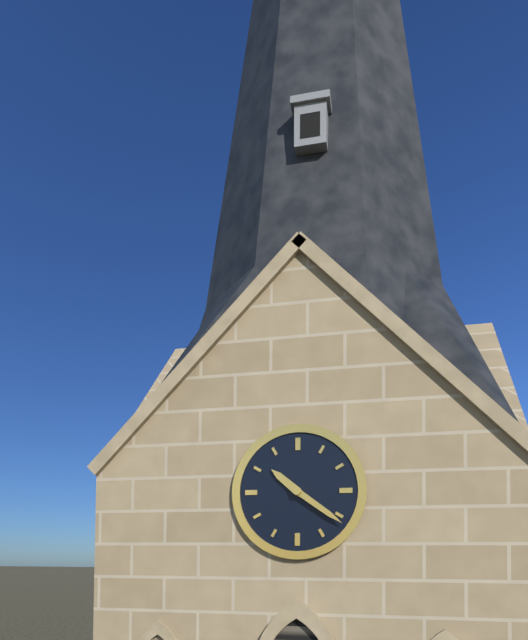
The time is 10,21
